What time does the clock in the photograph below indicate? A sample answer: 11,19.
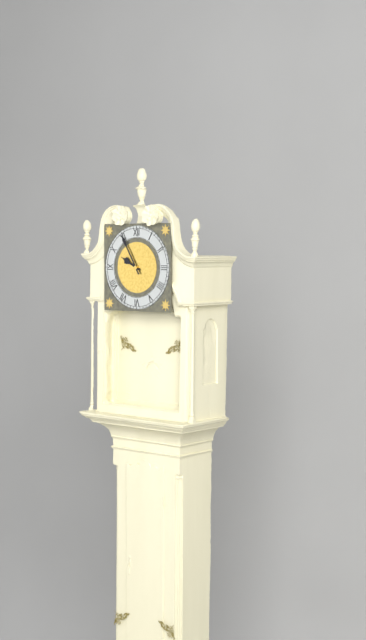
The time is 9,55
